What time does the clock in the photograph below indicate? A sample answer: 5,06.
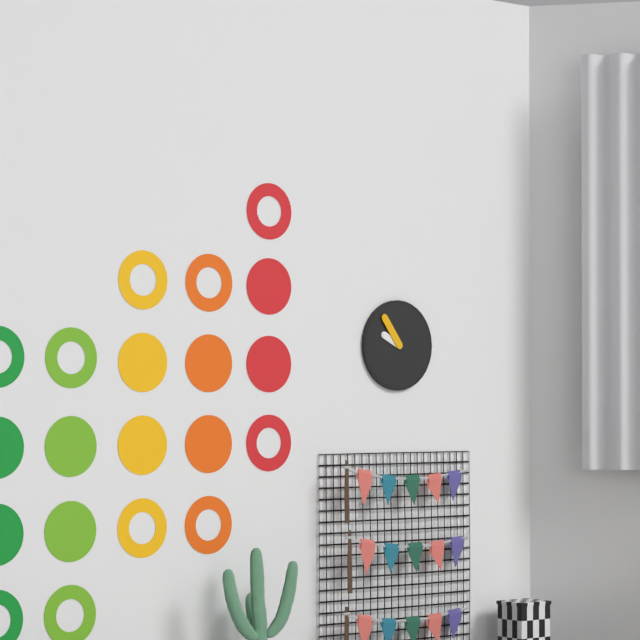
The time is 9,54
